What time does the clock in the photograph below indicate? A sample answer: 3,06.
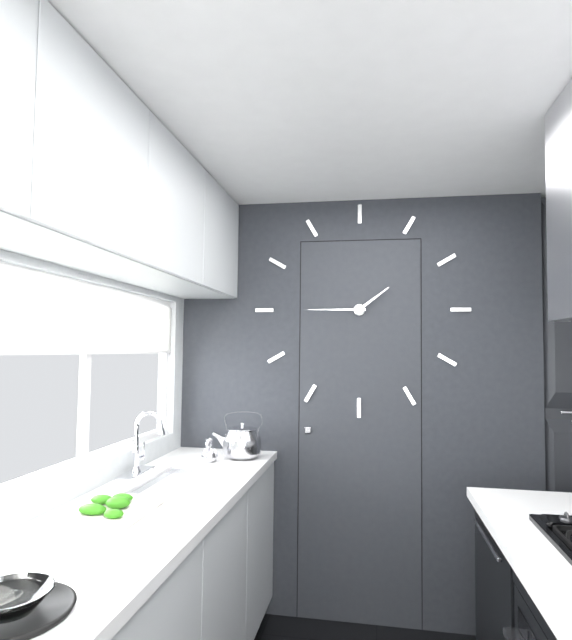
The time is 1,45
